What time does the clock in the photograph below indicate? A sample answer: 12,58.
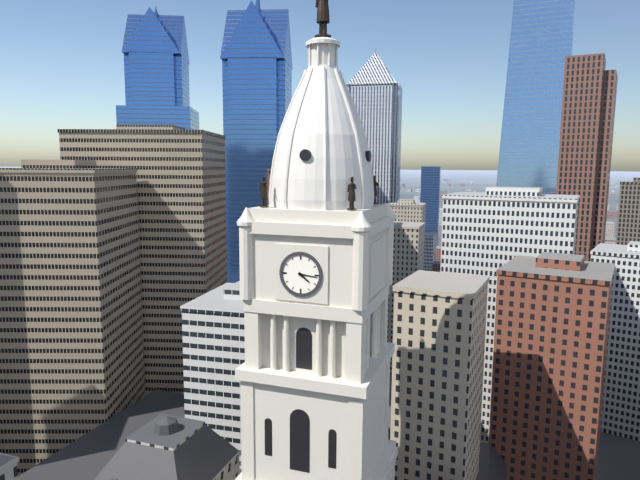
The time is 4,16
